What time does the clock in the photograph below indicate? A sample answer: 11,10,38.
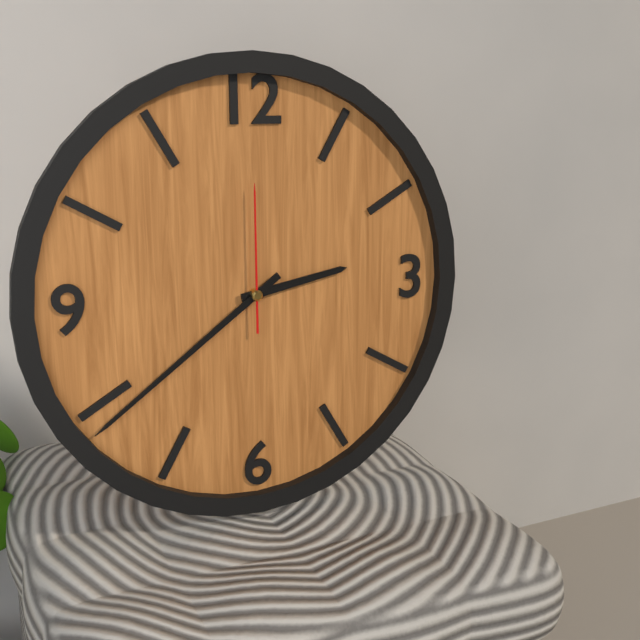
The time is 2,39,00
